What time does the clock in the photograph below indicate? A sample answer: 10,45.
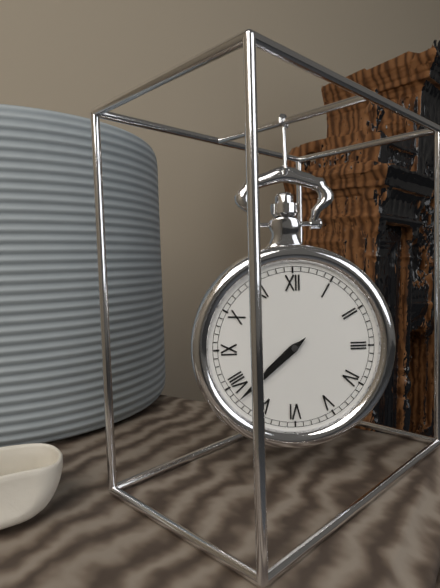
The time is 7,38
